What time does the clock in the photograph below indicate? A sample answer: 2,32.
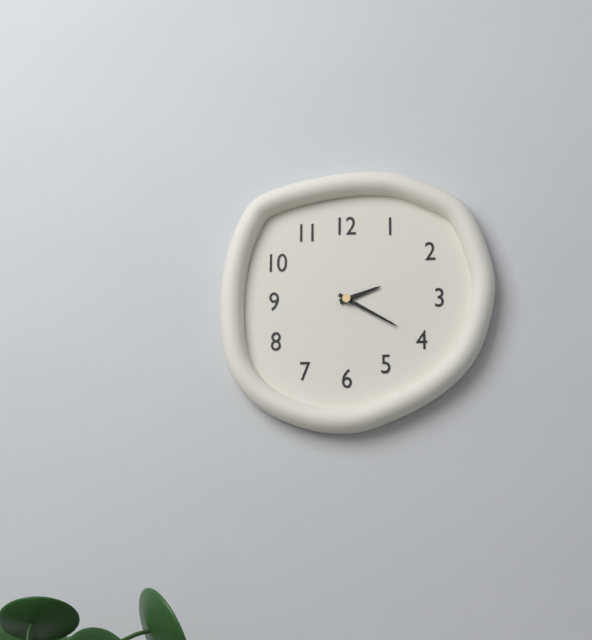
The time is 2,20
